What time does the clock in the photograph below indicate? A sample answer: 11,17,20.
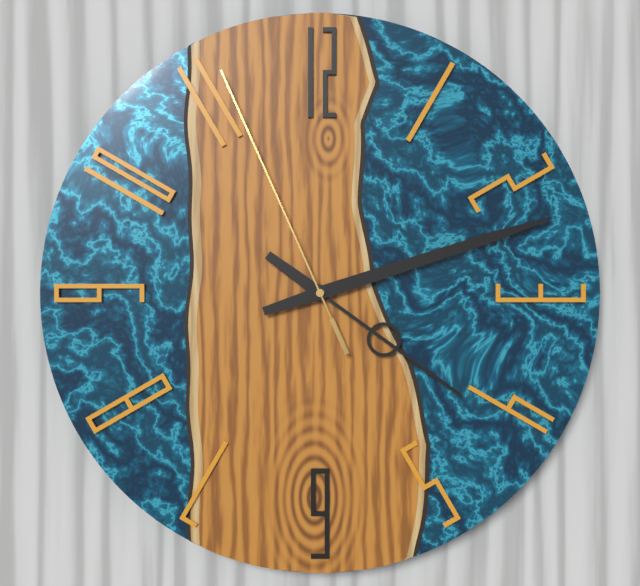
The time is 4,12,56
